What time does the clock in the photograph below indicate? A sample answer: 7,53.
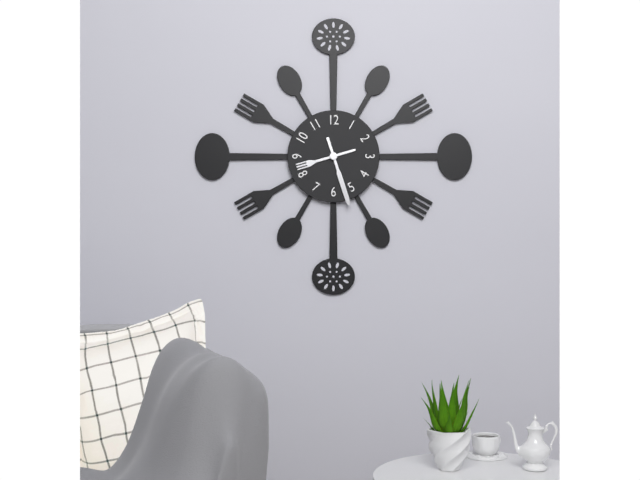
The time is 8,27
